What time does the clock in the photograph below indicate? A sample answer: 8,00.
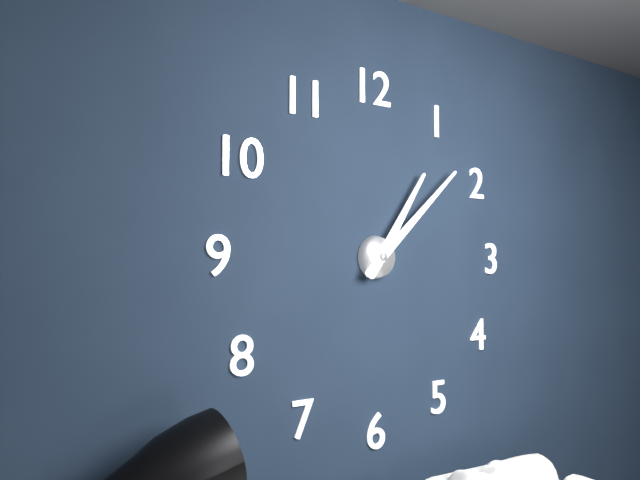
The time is 1,08
